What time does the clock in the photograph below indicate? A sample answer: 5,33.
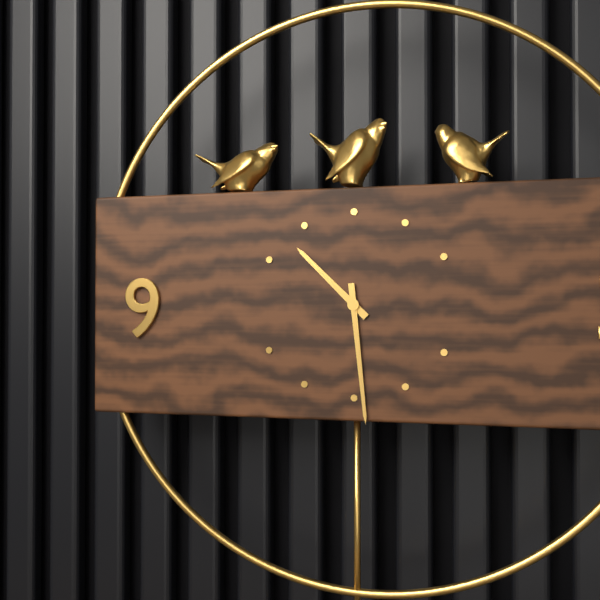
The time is 10,29
